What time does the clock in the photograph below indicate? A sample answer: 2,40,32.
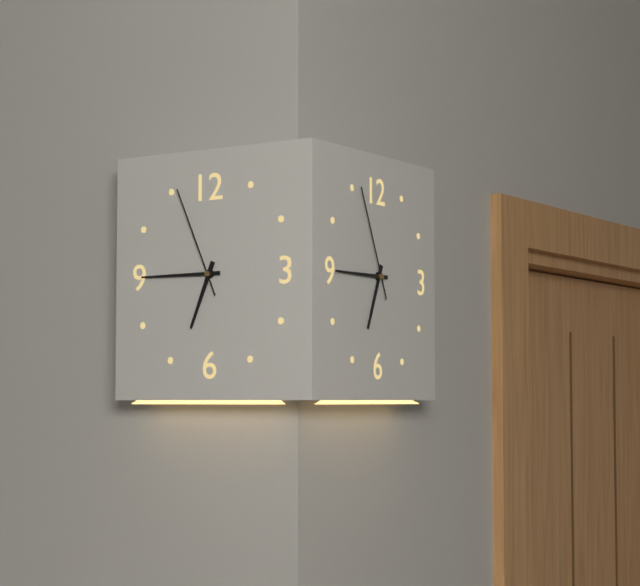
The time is 6,45,56
